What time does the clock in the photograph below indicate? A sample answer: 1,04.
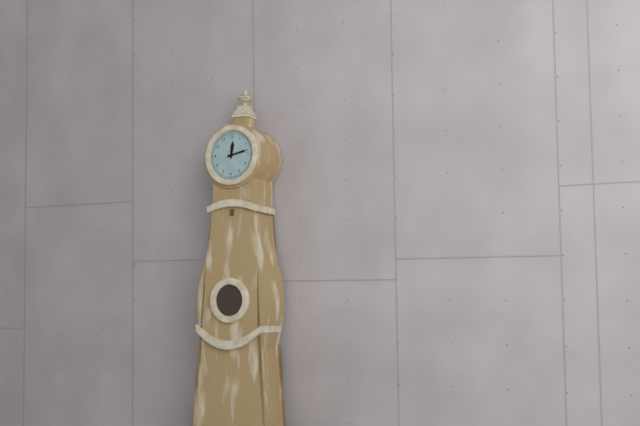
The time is 12,13
